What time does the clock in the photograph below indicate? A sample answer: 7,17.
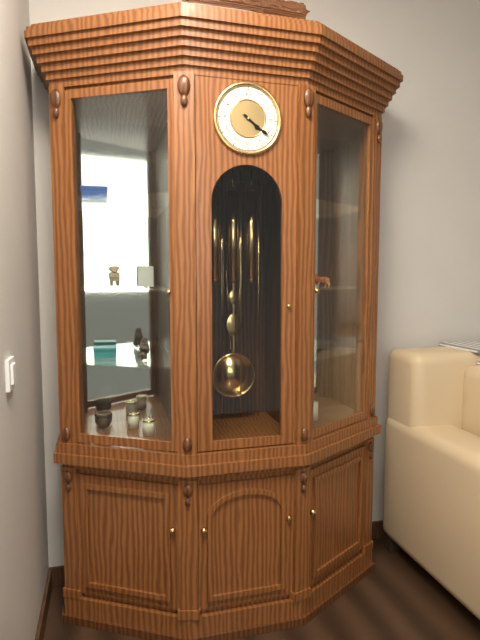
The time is 4,21
